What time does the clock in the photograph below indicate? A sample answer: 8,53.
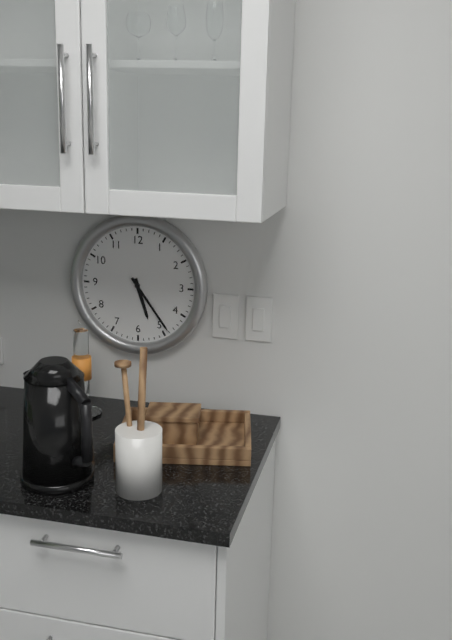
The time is 5,24
